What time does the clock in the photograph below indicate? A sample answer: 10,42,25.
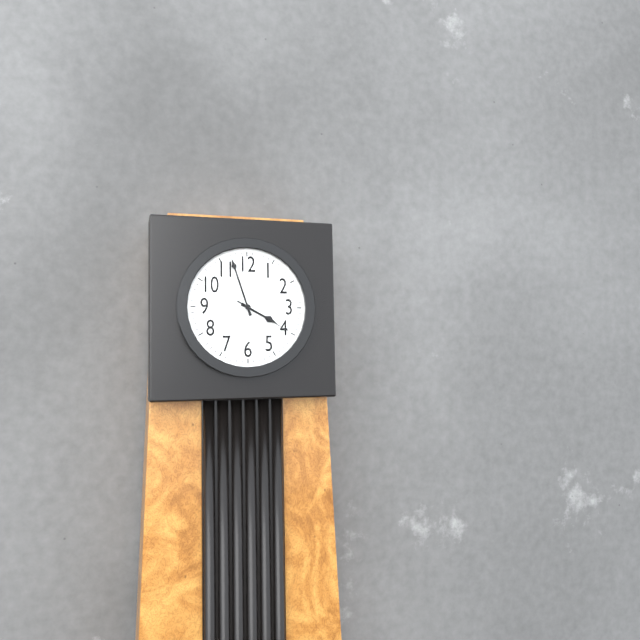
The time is 3,57,20
